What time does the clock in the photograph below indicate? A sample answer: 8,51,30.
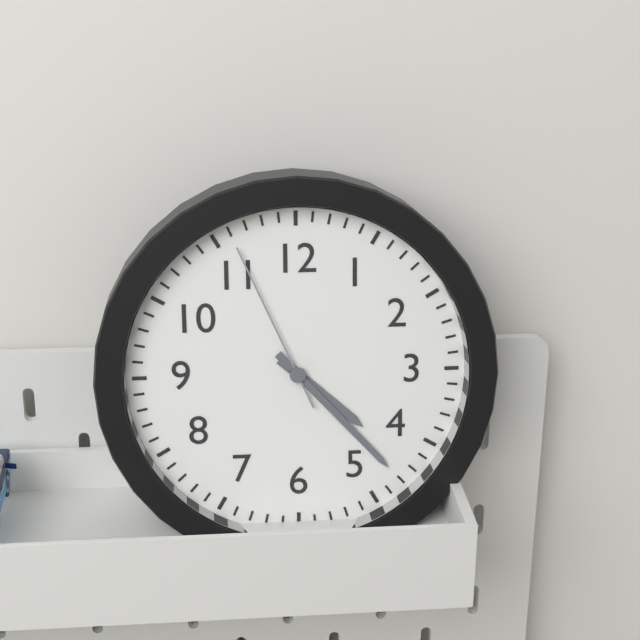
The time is 4,23,56
